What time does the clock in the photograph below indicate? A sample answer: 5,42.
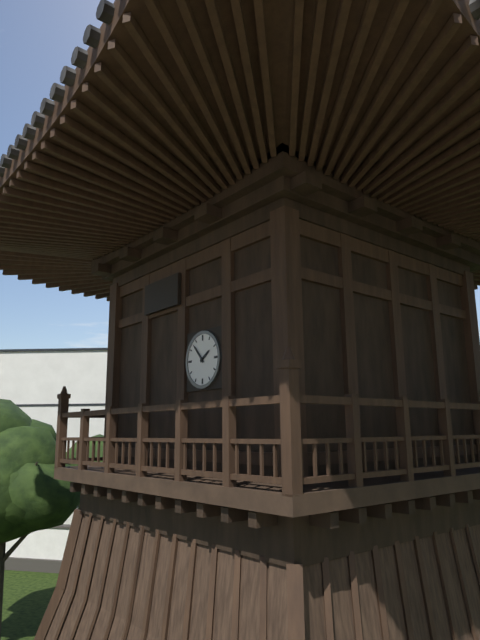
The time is 1,53
